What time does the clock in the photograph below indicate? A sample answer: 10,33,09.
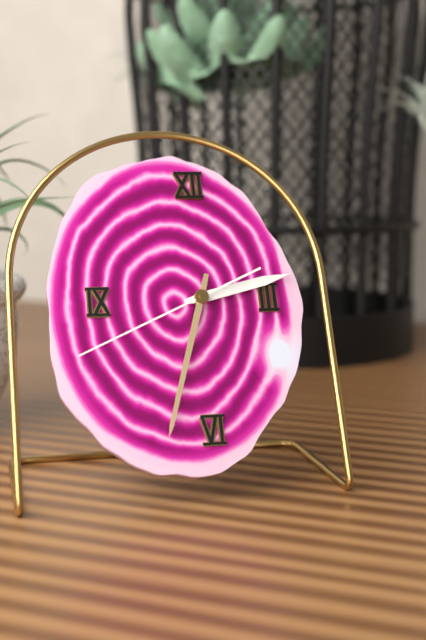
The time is 2,33,41
